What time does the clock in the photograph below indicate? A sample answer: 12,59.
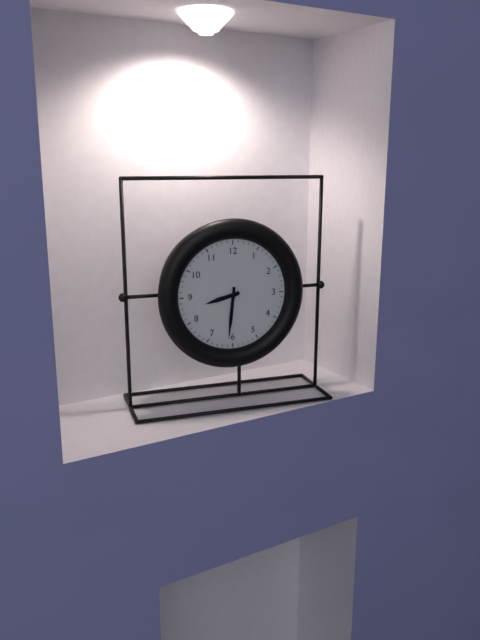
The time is 8,31
